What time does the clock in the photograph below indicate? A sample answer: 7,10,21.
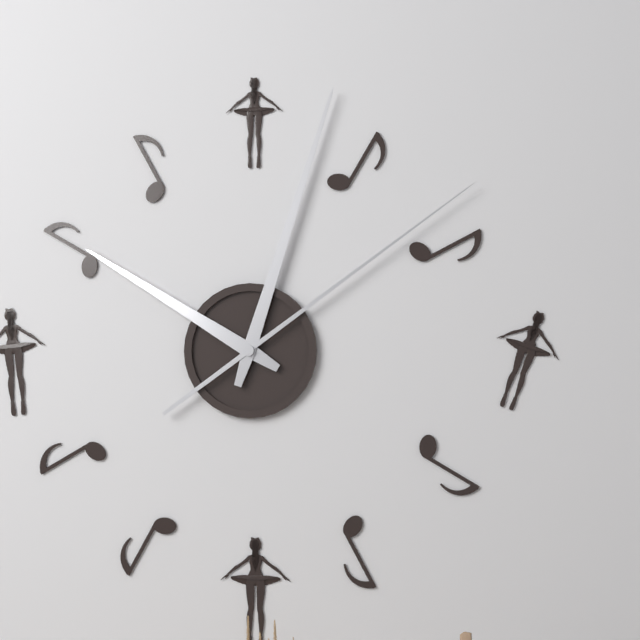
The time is 10,03,09
